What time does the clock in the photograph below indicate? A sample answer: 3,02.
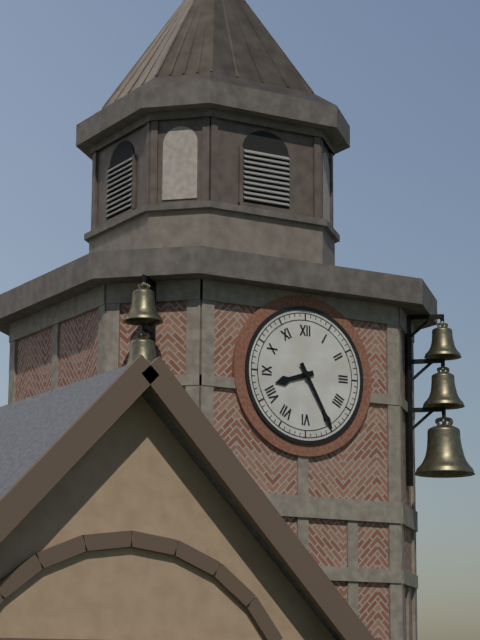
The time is 8,25
